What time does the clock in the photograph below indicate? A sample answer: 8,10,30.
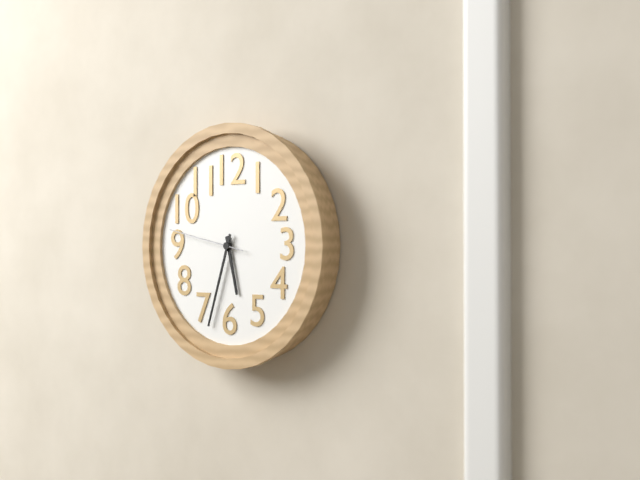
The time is 5,33,47
